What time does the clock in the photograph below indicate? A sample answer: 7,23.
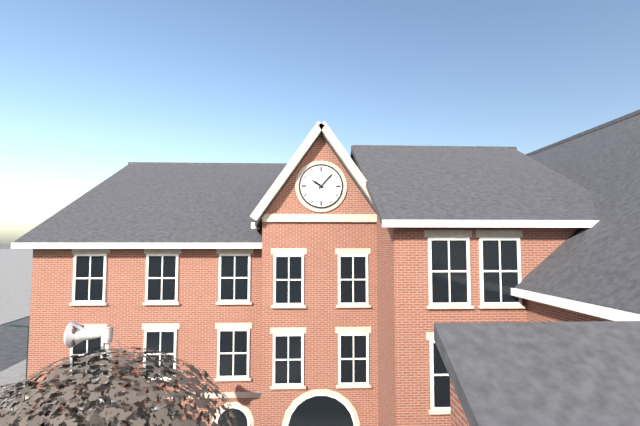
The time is 10,07
